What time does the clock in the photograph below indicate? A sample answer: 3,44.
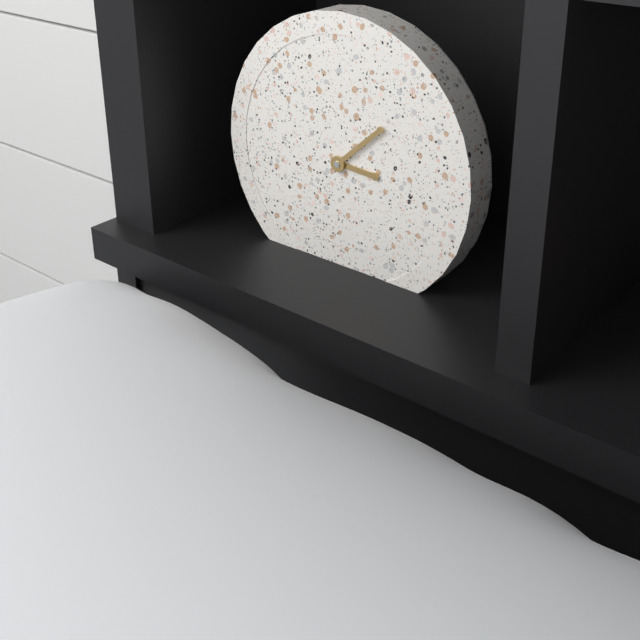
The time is 3,08
